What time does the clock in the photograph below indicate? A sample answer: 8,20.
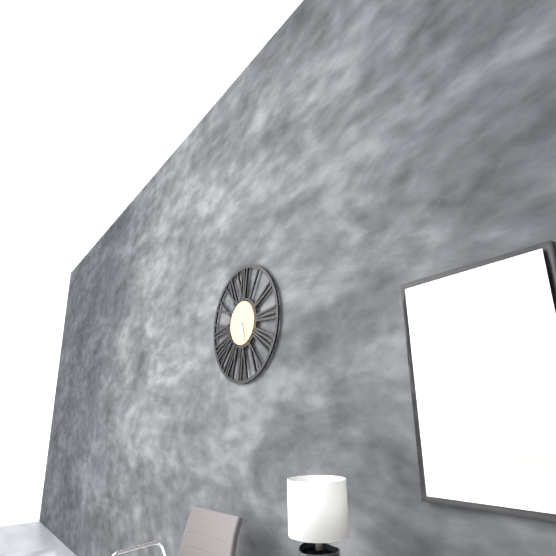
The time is 6,27
